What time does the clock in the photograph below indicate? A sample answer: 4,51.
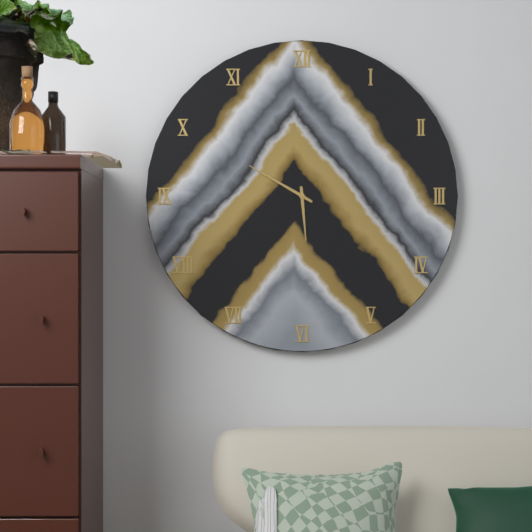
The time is 5,50
